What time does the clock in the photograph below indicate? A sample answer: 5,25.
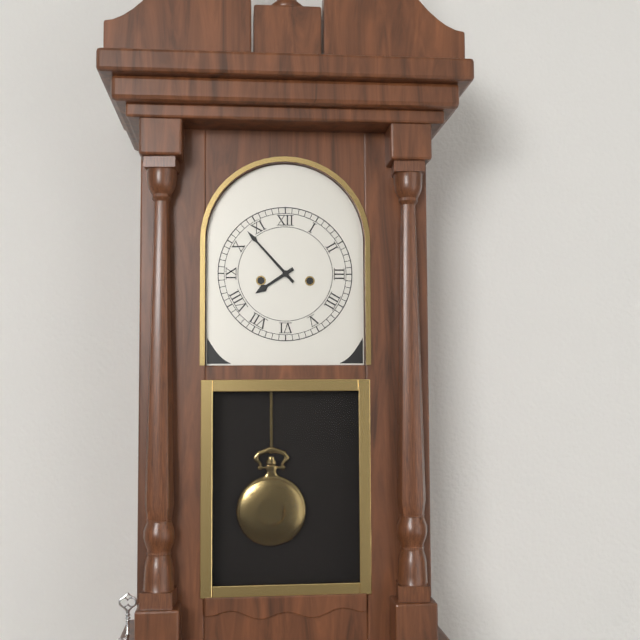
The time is 7,53
